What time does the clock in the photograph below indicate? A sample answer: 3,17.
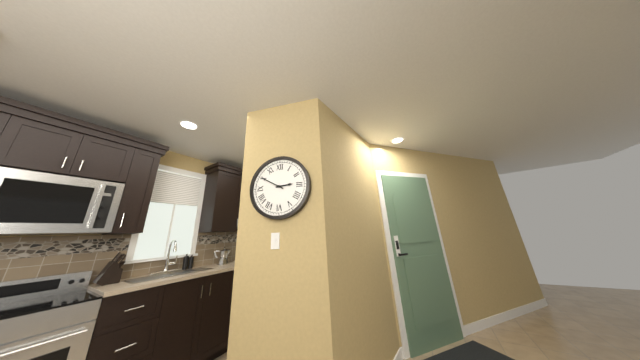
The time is 2,50
